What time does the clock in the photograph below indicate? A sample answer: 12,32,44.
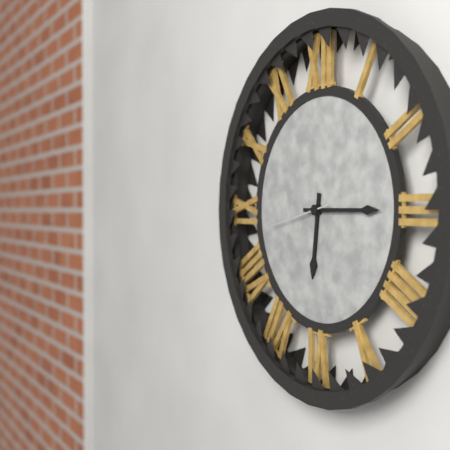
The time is 6,15,43
